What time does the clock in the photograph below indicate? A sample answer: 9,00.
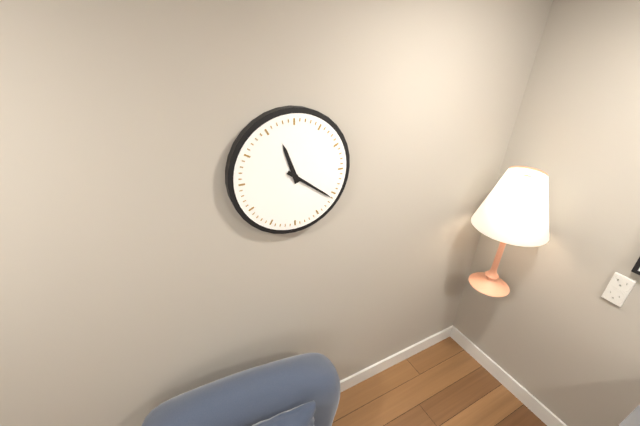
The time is 11,21
